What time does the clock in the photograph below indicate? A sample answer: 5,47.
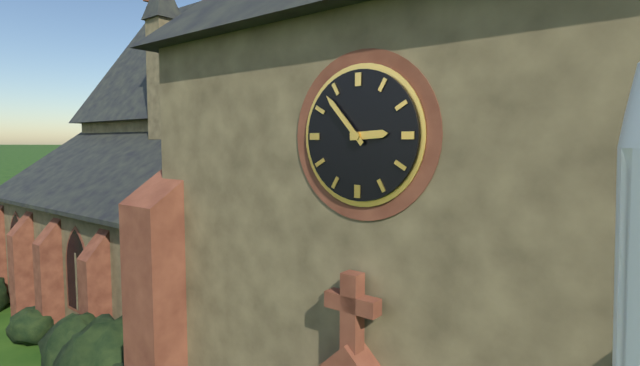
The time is 2,53
